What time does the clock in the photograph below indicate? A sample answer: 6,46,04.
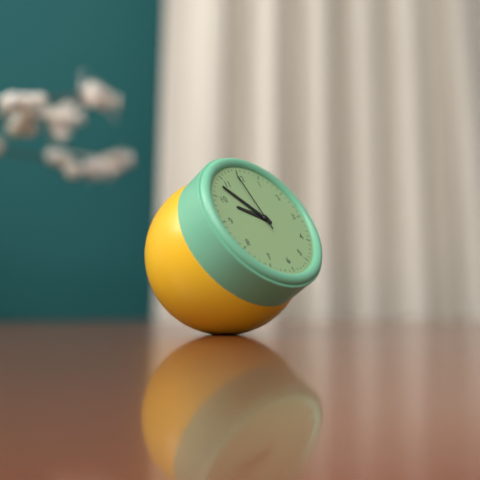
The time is 9,53,59
